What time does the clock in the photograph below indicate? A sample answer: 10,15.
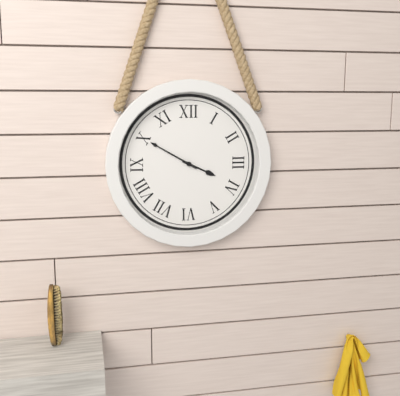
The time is 3,50
